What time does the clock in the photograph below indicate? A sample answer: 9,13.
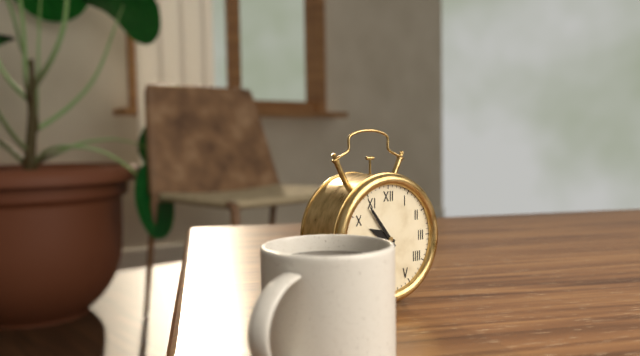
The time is 9,54
